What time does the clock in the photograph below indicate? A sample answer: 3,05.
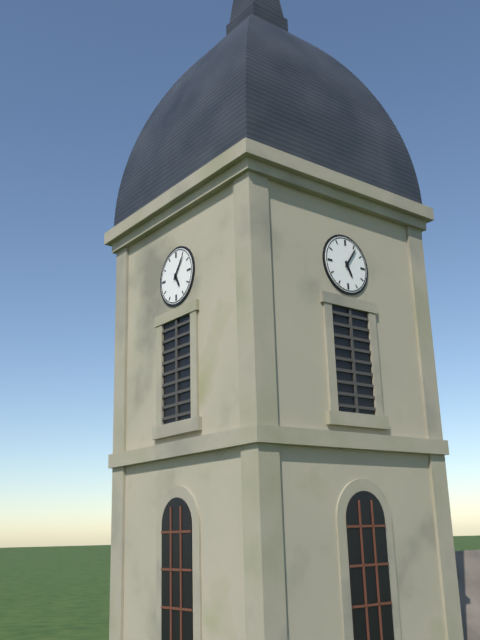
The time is 5,06
